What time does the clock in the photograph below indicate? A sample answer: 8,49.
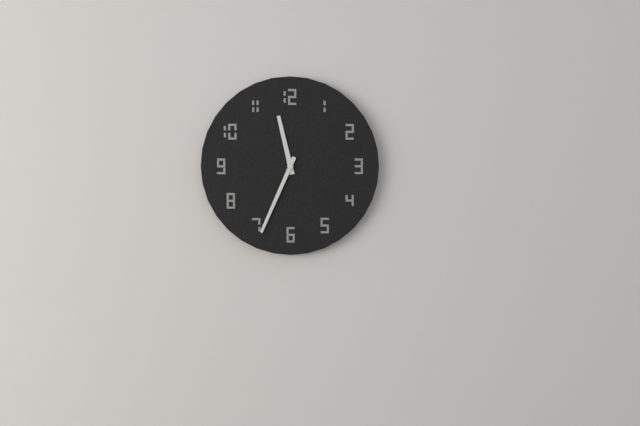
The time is 11,34
